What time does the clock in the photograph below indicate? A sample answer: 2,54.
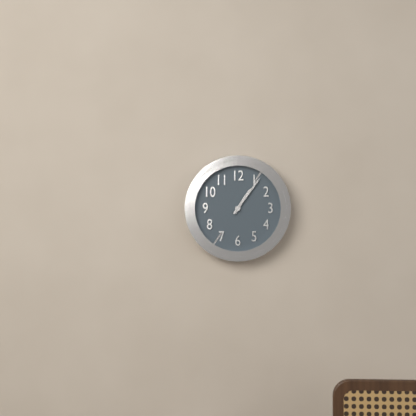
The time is 1,06
